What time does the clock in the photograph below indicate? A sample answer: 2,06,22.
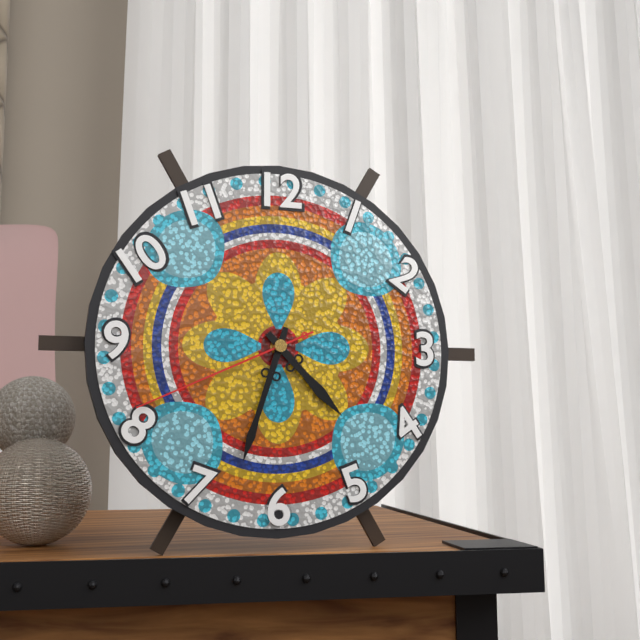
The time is 4,33,41
